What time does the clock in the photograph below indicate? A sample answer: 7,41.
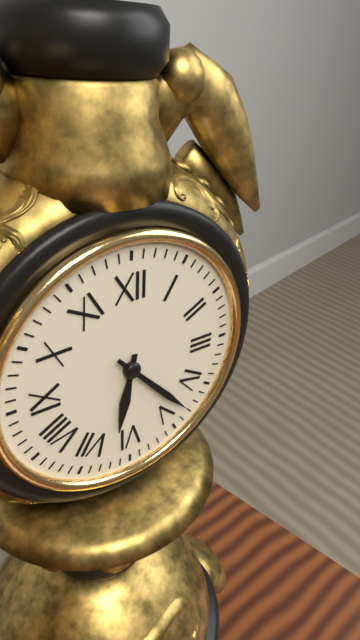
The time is 6,23
